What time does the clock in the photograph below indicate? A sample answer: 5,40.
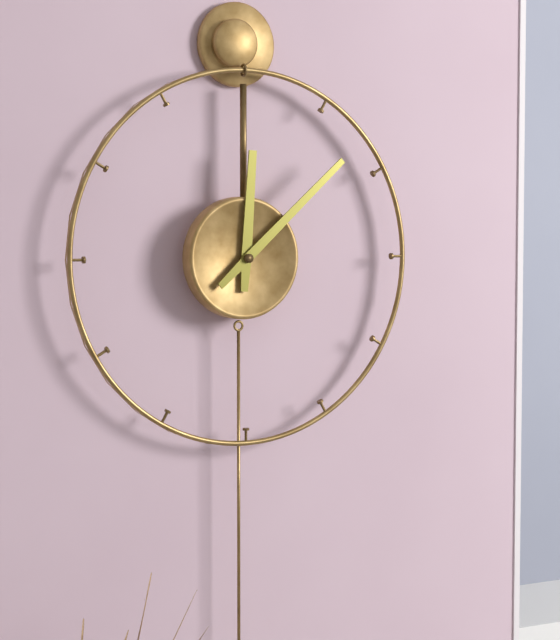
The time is 12,08
